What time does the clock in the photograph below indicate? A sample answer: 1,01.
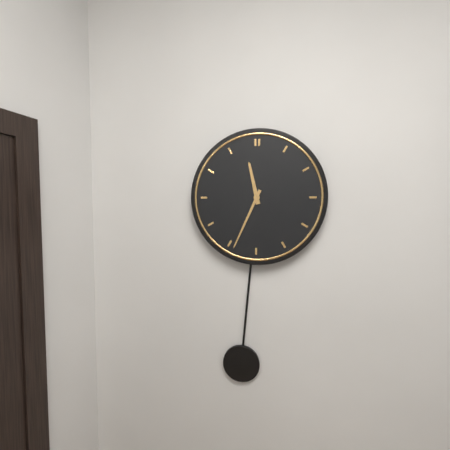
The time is 11,34
